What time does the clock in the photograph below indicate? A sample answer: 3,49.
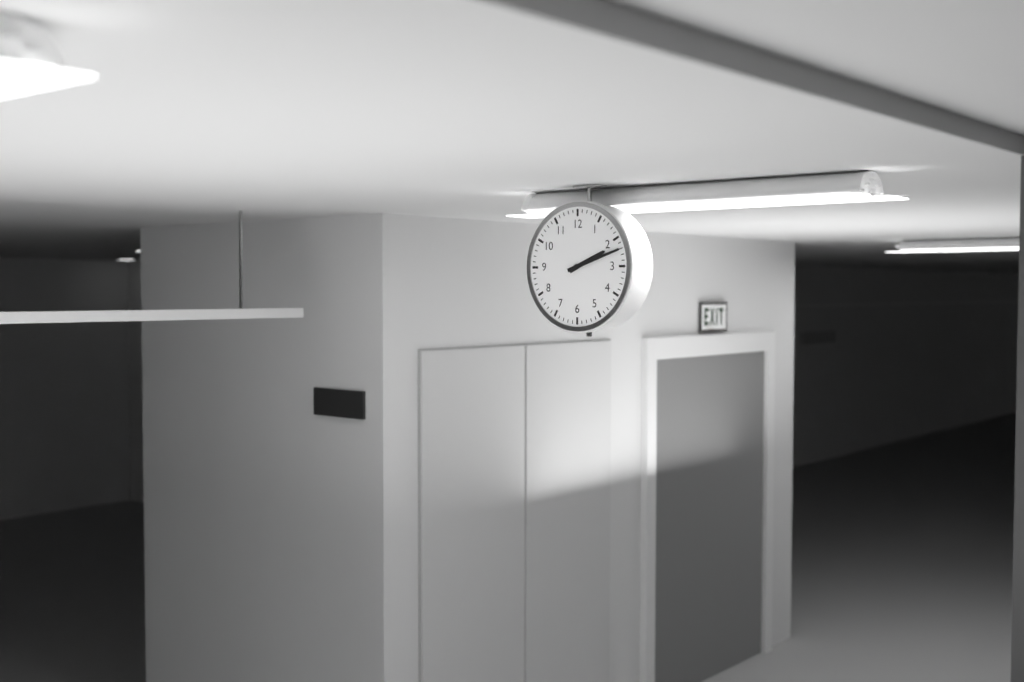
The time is 2,12
